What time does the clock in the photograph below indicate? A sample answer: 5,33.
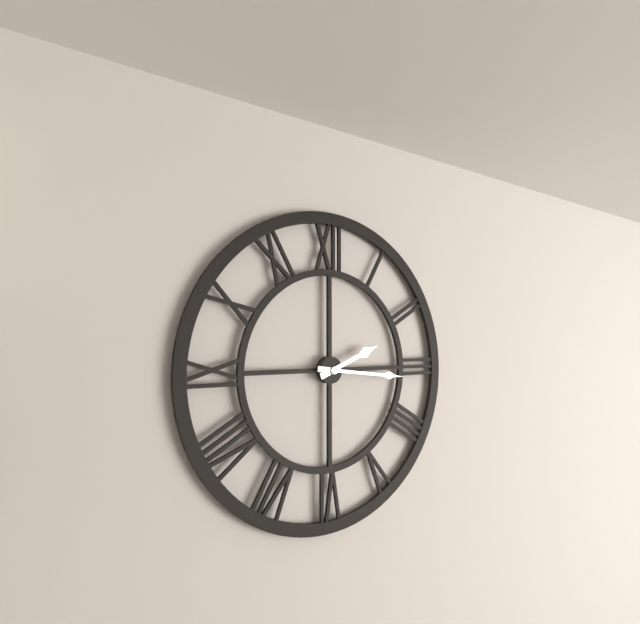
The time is 2,16
